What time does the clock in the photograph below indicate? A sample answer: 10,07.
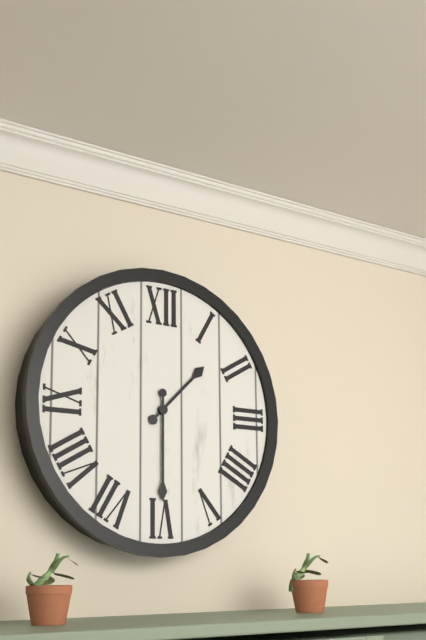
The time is 1,30
